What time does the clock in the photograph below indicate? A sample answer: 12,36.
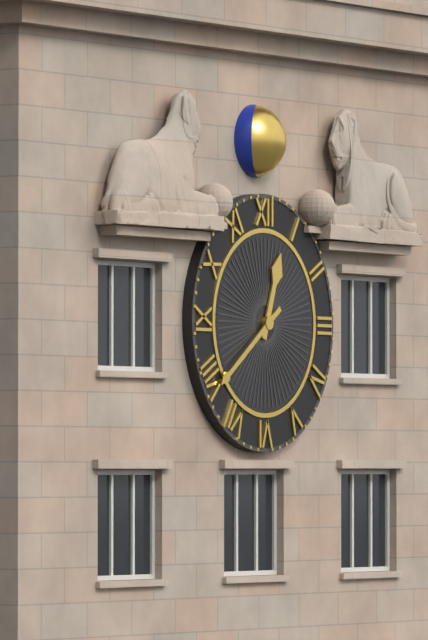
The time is 12,39
